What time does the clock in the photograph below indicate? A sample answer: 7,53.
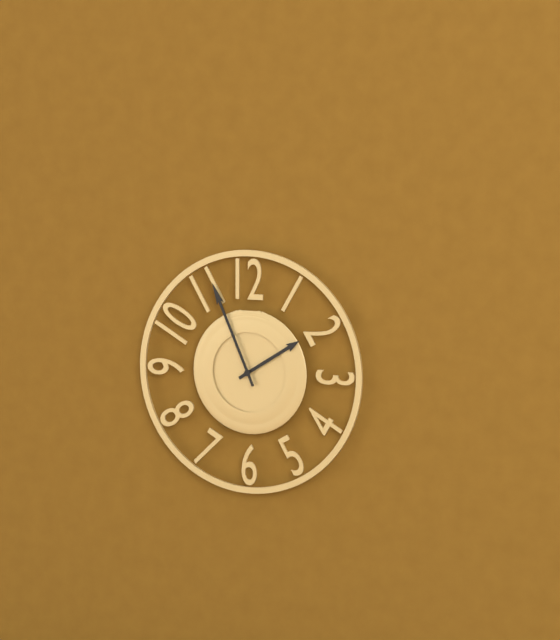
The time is 1,56
